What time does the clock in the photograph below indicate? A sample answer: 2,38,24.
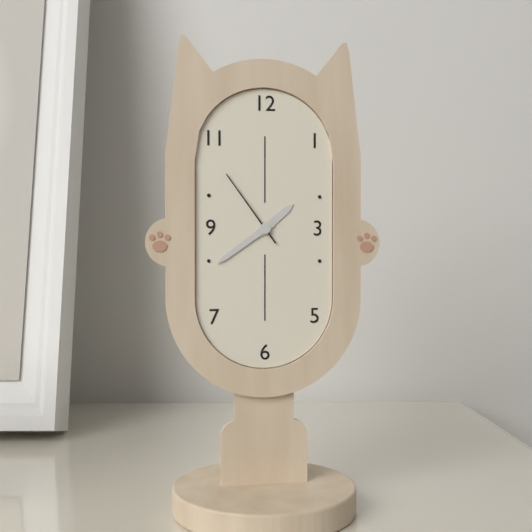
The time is 1,39,54
